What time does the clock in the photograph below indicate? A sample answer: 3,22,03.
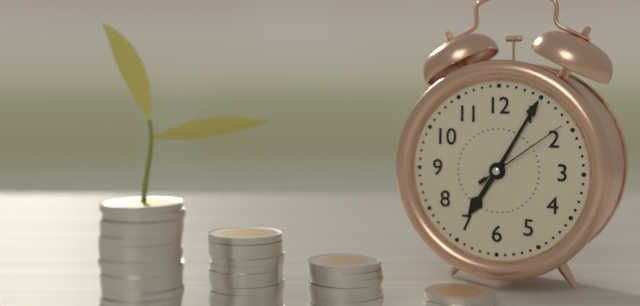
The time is 7,05,09
